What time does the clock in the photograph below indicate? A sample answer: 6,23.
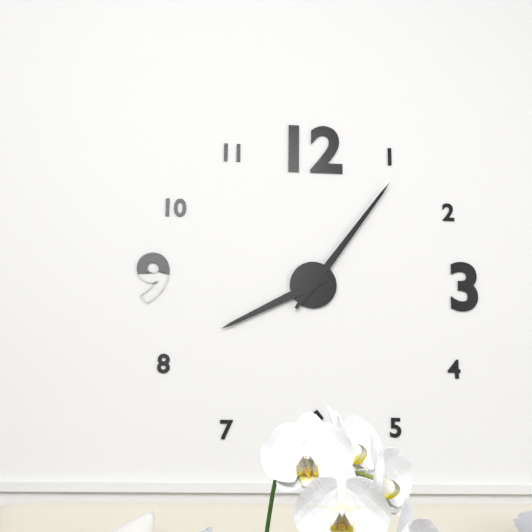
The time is 8,06
